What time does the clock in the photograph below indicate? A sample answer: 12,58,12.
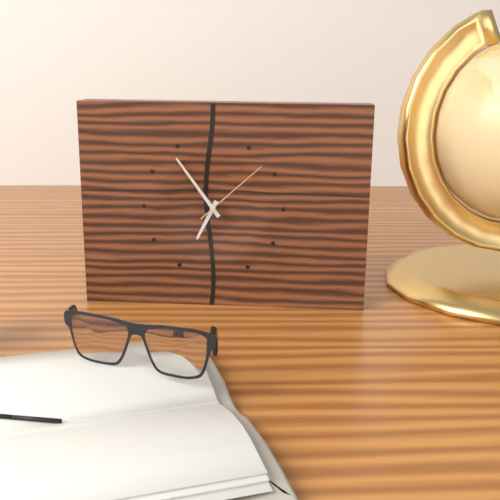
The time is 6,54,08
